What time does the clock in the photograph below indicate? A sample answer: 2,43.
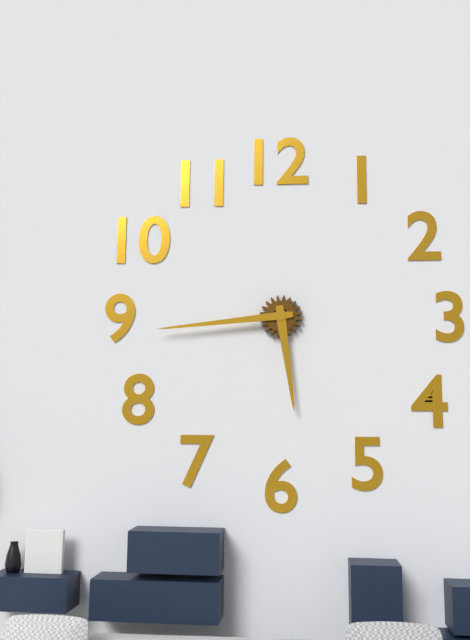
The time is 5,44
